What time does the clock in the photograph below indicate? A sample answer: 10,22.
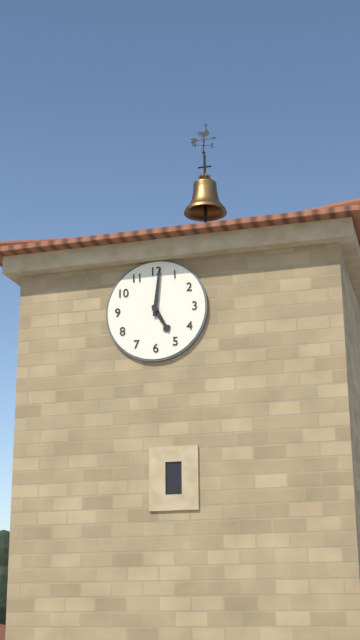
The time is 5,01
